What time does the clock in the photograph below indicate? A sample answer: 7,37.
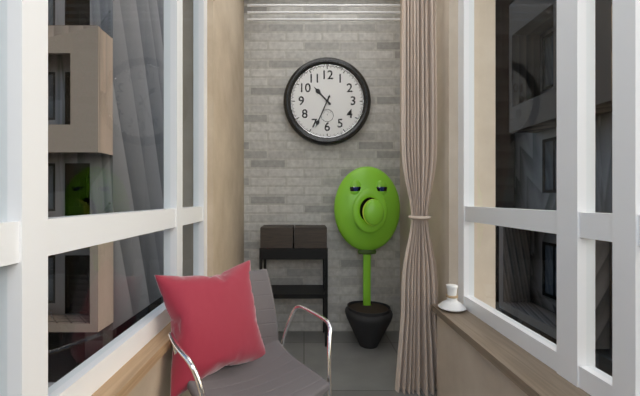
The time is 10,34
